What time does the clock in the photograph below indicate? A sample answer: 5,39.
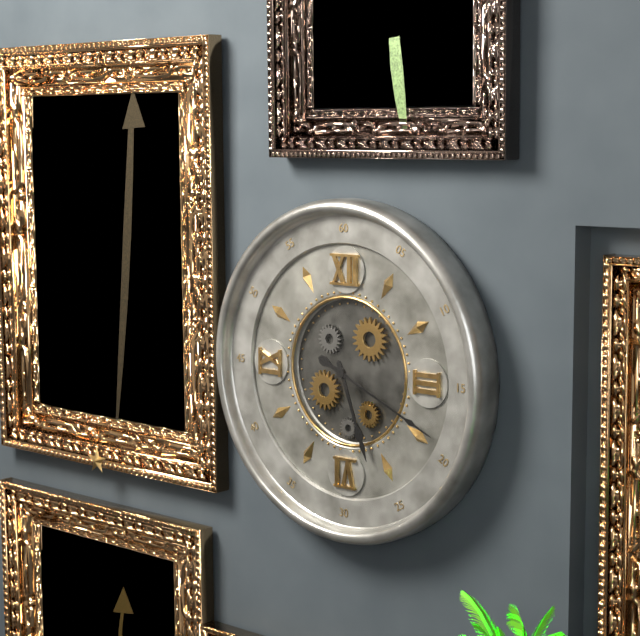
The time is 5,19
